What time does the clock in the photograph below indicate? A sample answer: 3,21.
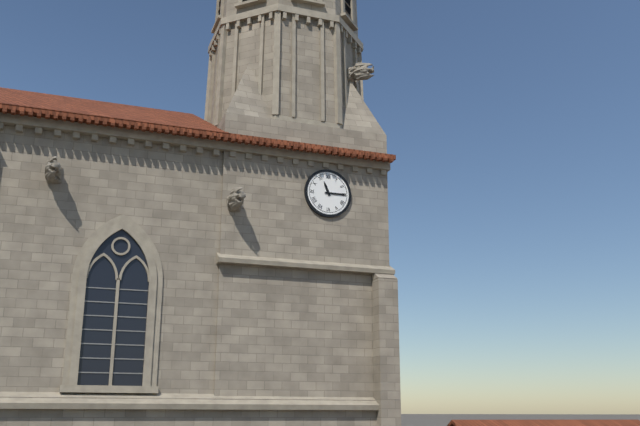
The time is 11,15
